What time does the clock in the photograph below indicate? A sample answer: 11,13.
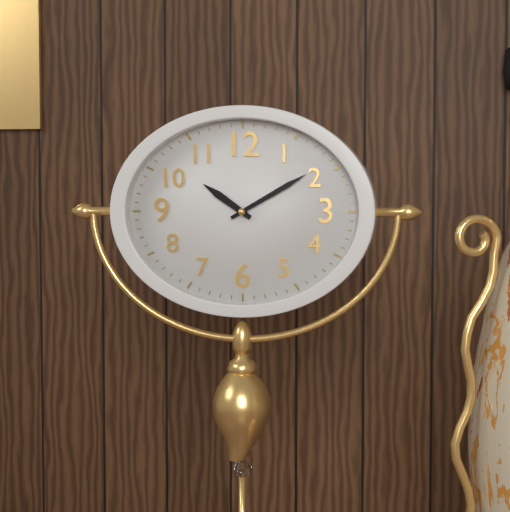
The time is 10,10
